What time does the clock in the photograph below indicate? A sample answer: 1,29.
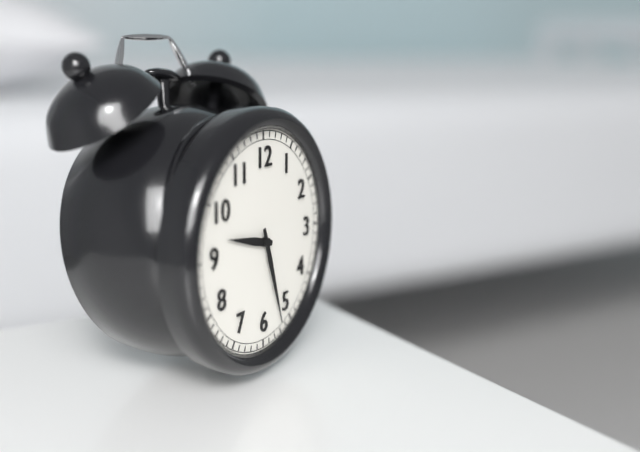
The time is 9,27
